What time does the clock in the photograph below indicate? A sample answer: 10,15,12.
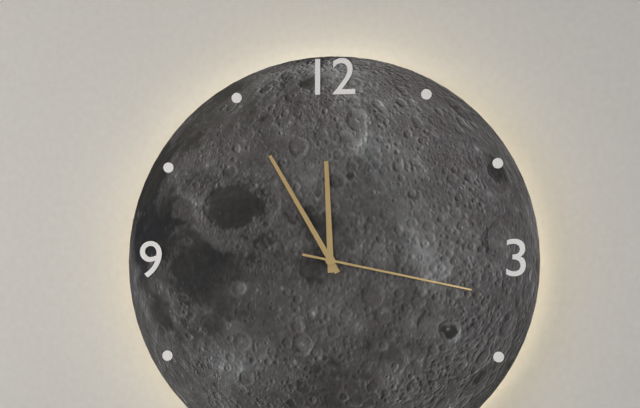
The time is 11,55,17
